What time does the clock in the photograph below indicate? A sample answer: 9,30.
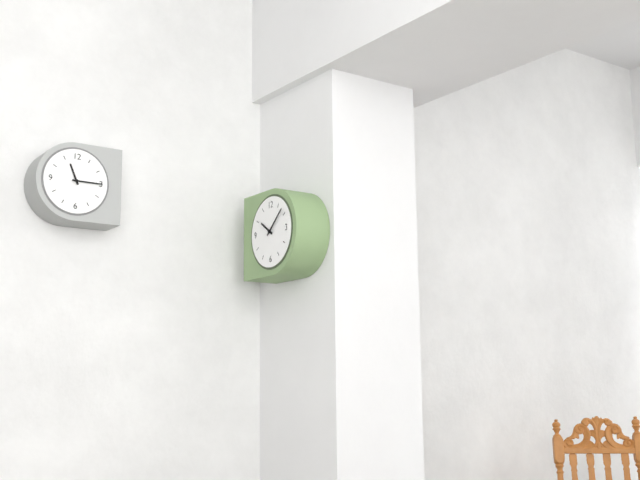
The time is 10,08
